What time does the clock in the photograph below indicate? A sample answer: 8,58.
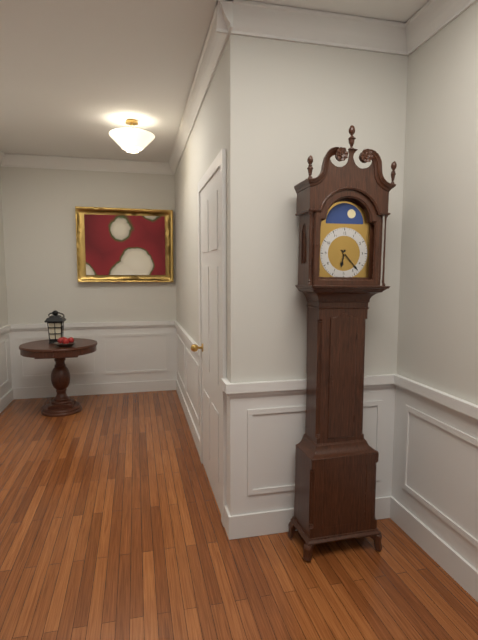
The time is 6,23
